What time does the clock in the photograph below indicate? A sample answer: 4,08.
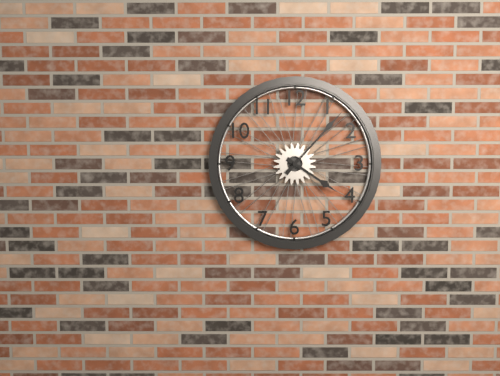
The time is 4,07
